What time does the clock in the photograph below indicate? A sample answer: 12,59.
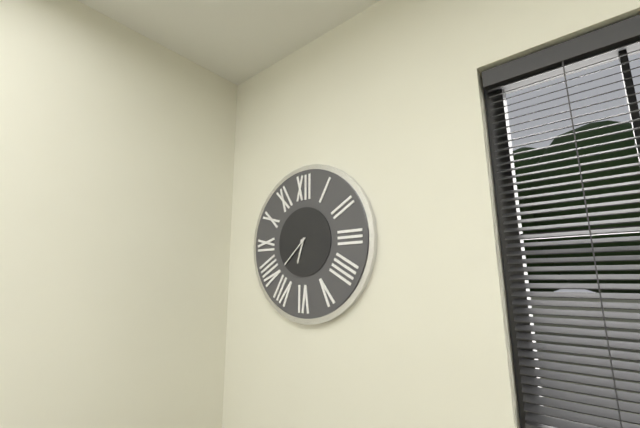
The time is 6,38
